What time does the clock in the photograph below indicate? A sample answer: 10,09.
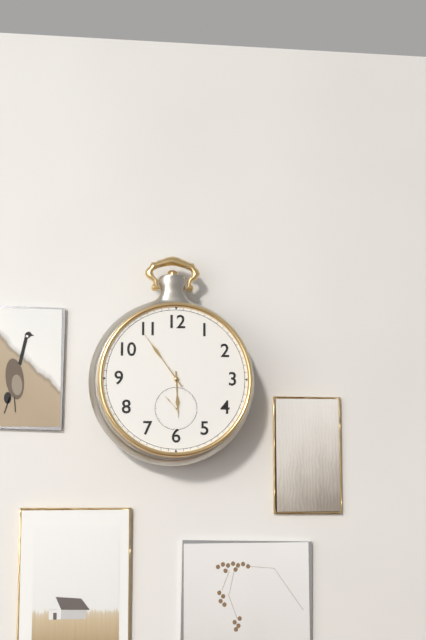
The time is 5,54
